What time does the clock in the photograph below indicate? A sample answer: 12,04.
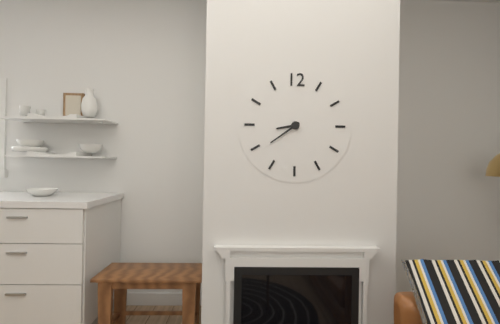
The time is 8,39
